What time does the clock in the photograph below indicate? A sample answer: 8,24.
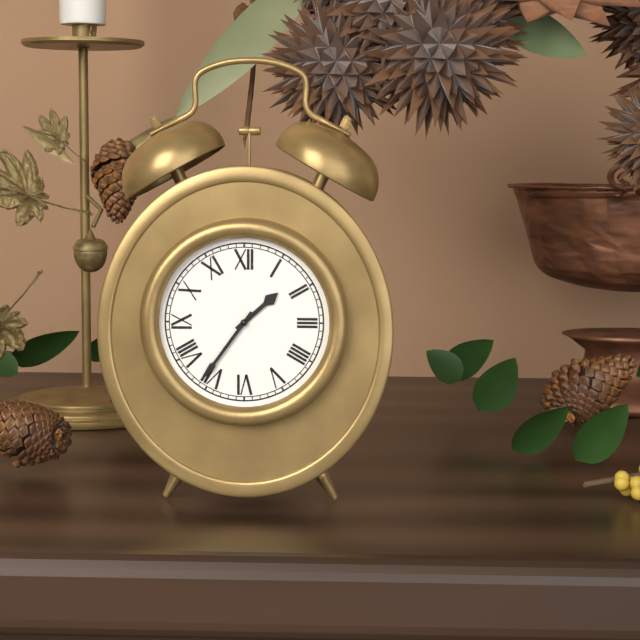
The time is 1,36
